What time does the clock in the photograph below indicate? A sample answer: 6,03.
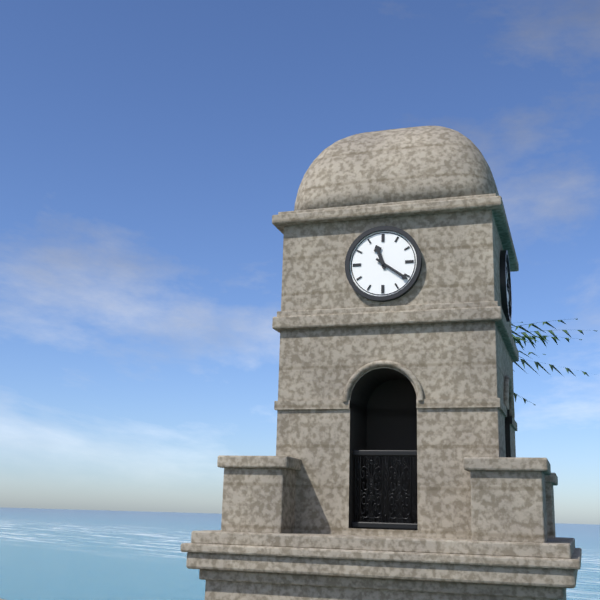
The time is 11,21
